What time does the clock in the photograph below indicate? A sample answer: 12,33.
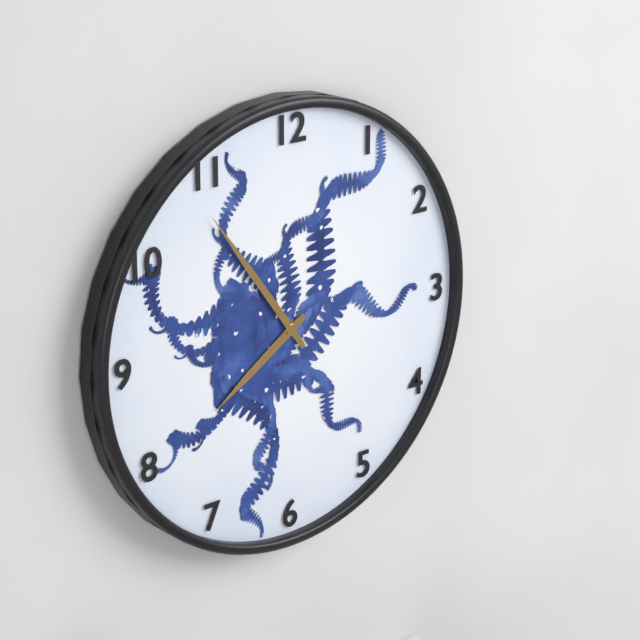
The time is 7,54
